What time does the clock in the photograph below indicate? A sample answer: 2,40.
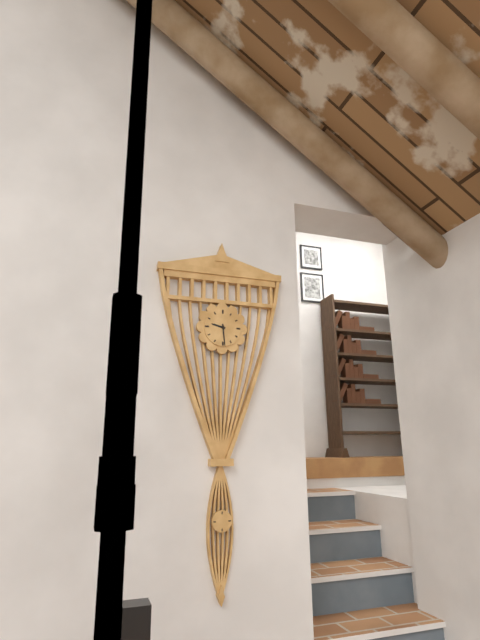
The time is 9,29
